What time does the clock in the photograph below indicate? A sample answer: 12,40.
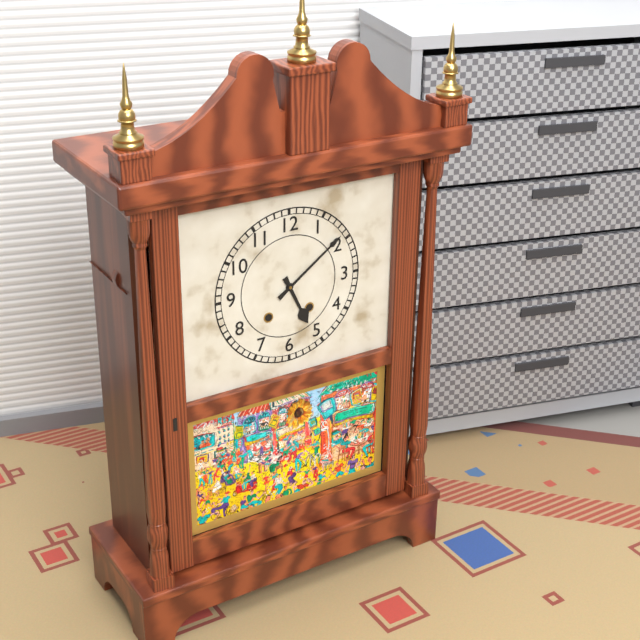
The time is 5,09
